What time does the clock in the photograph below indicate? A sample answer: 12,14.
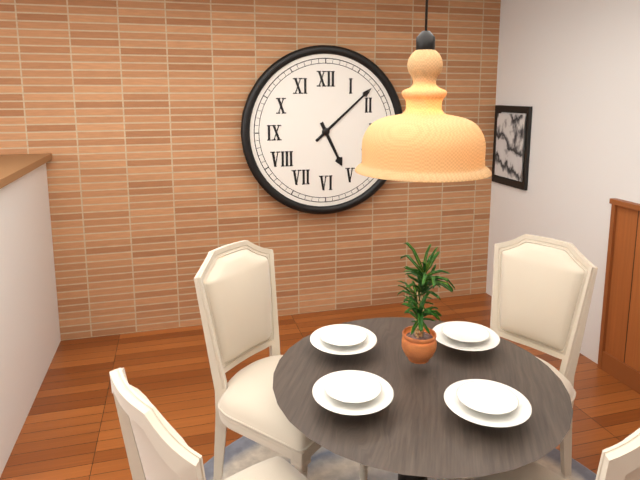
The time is 5,08
